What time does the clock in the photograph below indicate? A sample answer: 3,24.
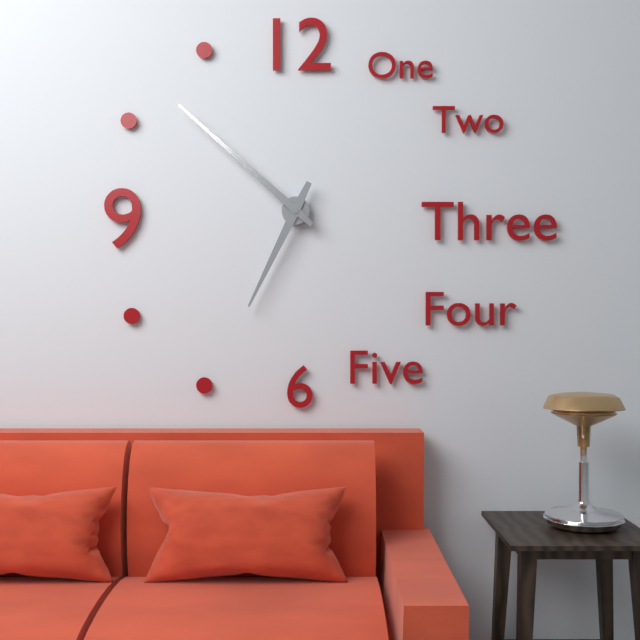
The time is 6,52
